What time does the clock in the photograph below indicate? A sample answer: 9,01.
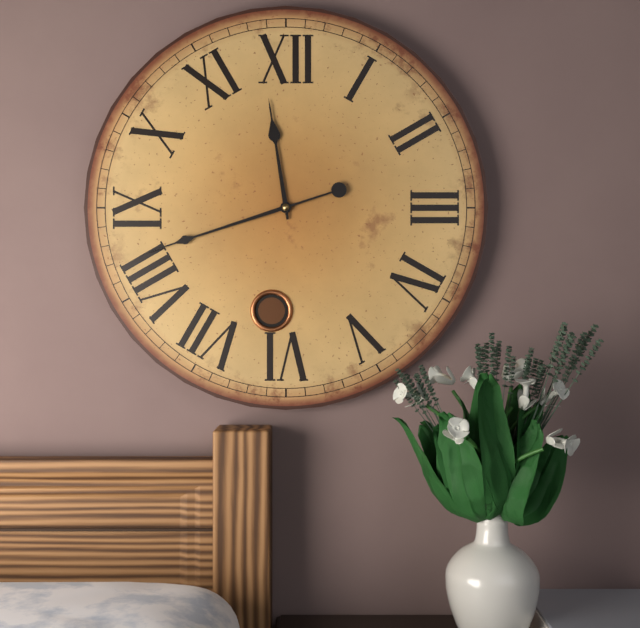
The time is 11,42
